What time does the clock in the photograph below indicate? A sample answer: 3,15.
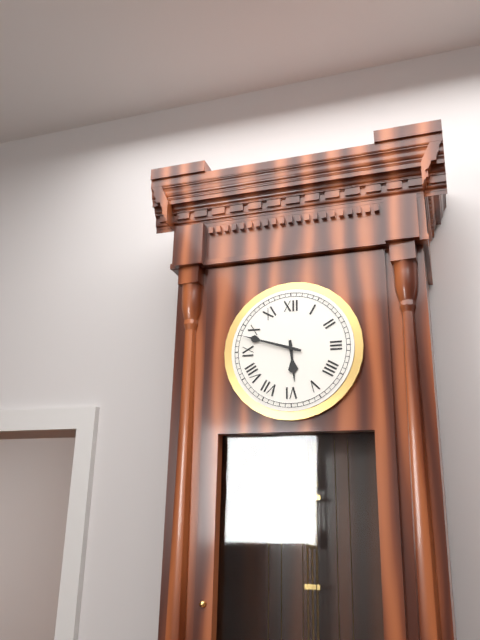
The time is 5,48
